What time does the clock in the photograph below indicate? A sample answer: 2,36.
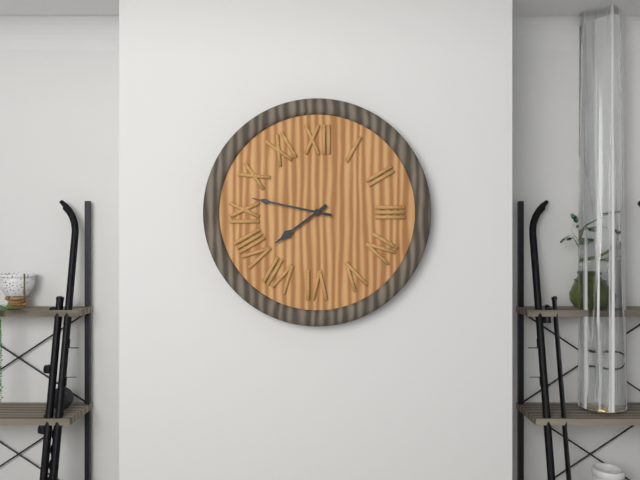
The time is 7,47
